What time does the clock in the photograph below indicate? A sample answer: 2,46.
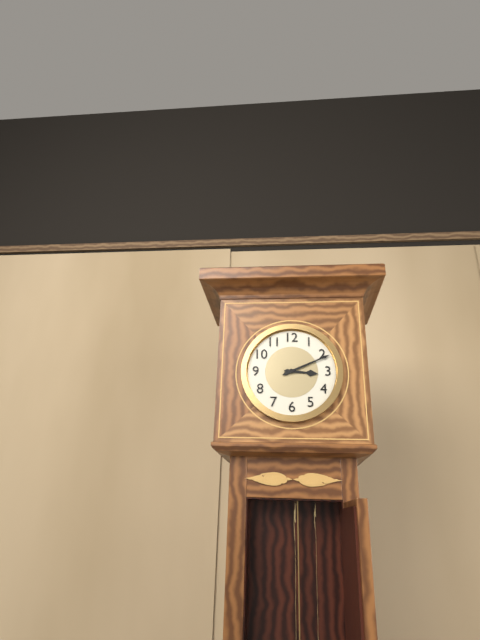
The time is 3,11
